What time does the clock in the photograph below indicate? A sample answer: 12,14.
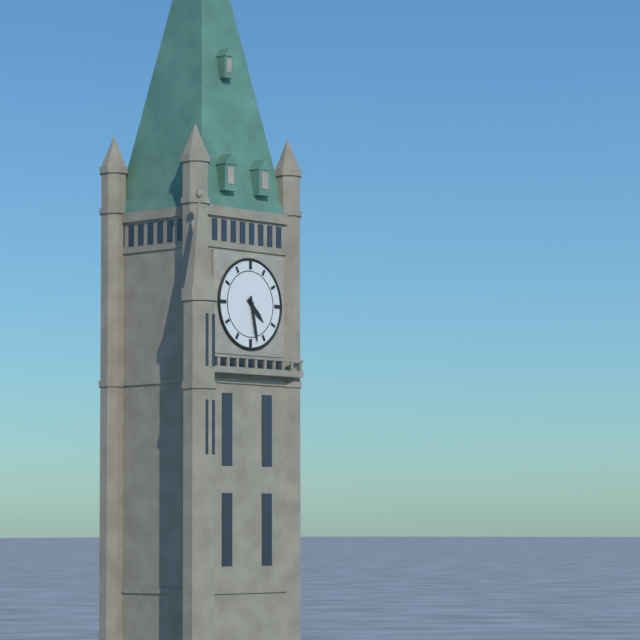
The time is 4,28
